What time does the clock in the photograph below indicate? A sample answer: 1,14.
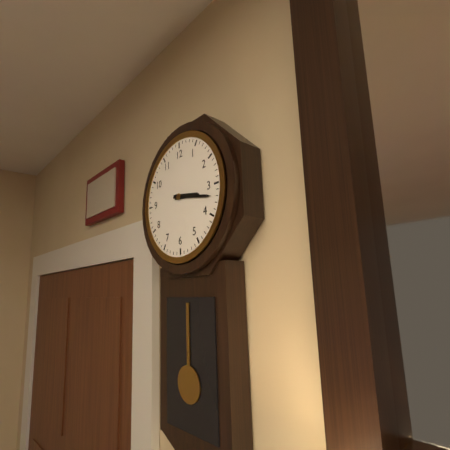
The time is 3,17
